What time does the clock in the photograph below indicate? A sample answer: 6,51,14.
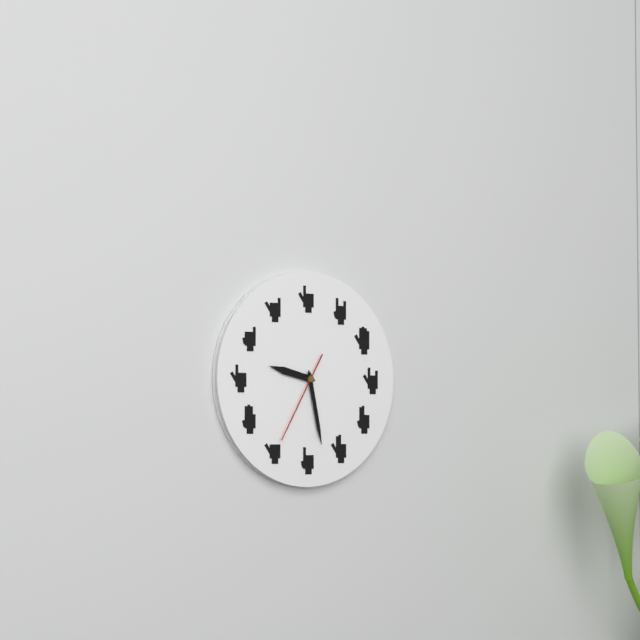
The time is 9,28,35
